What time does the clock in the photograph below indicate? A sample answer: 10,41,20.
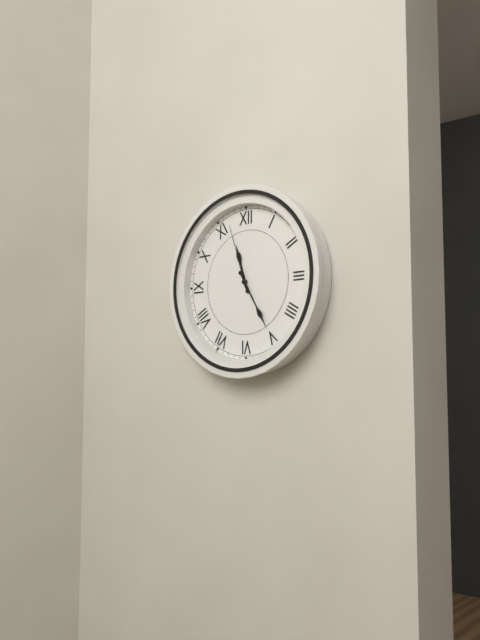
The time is 11,25,57
